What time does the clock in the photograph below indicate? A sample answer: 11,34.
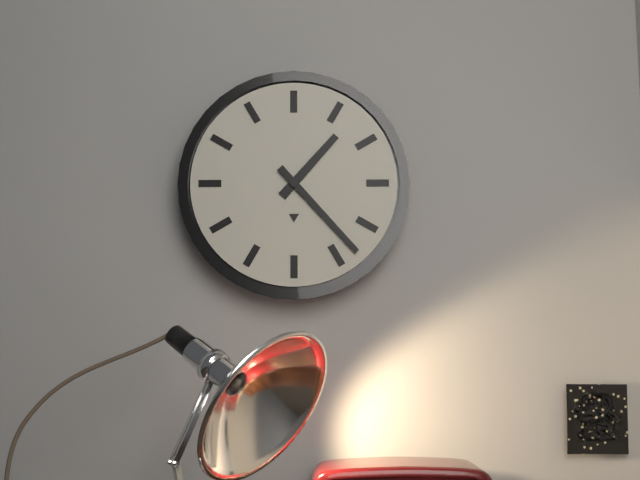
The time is 1,23
